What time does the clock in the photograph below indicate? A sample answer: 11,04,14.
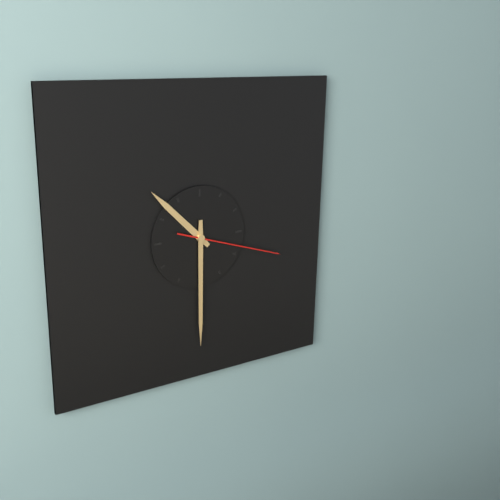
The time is 10,30,18
